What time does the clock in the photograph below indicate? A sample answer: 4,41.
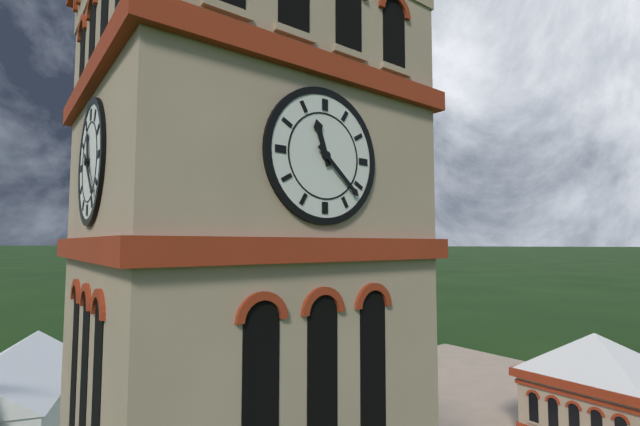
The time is 11,22
